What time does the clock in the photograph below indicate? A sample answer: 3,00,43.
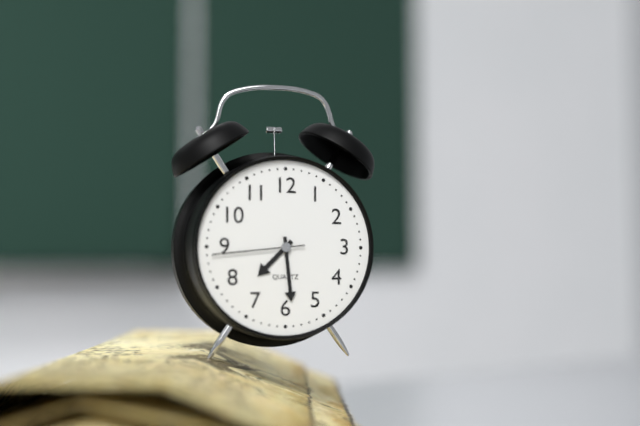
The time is 7,29,44
